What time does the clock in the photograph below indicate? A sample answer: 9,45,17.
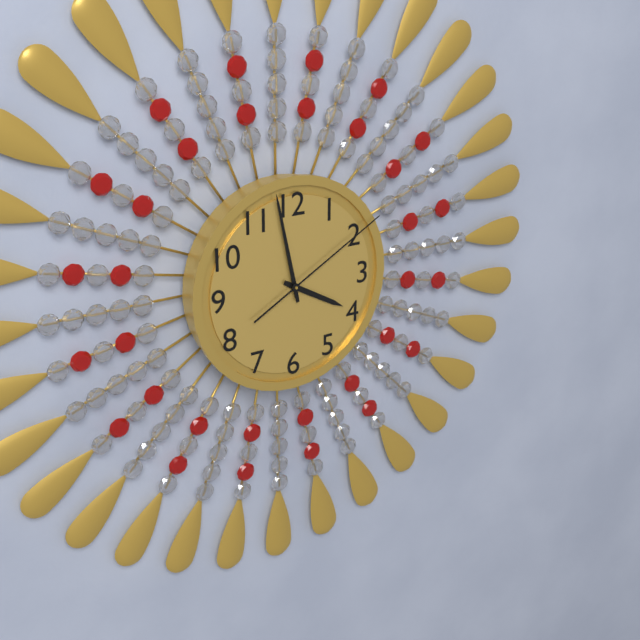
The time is 3,58,10
